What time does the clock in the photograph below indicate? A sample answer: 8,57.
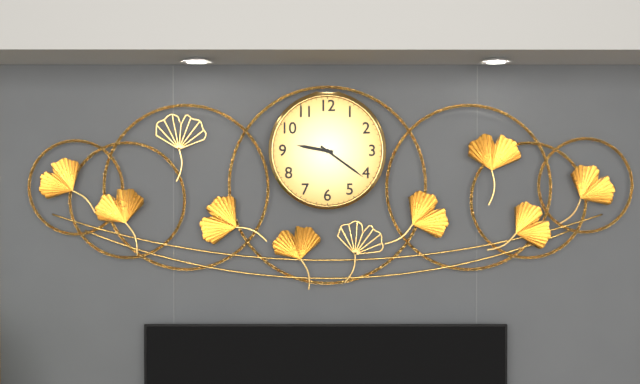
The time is 9,21
